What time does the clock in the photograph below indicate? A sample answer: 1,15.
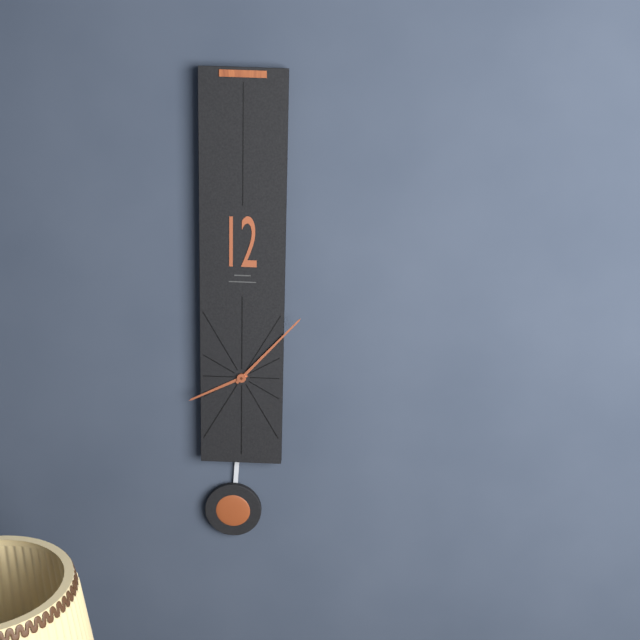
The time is 8,07
